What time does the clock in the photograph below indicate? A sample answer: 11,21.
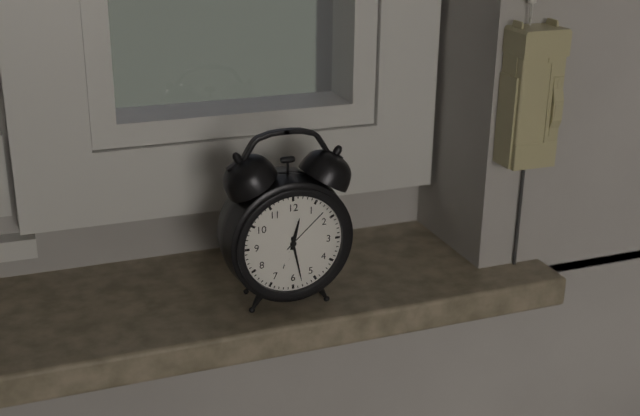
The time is 12,28
